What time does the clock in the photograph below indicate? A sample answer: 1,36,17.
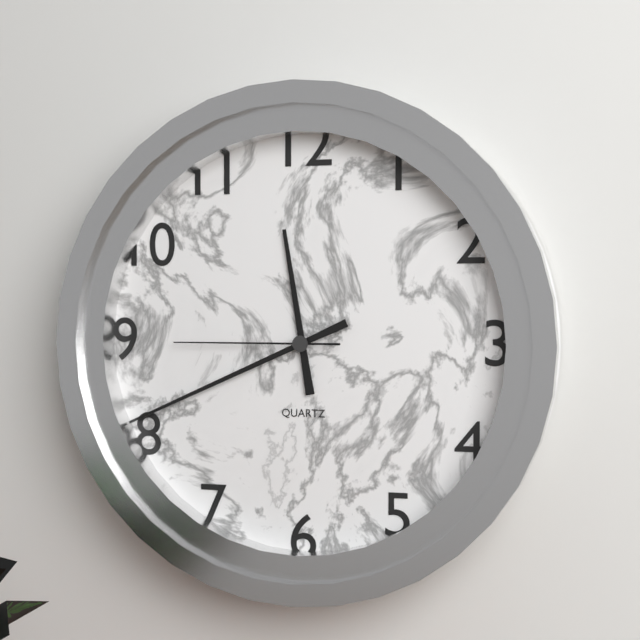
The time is 11,41,45
